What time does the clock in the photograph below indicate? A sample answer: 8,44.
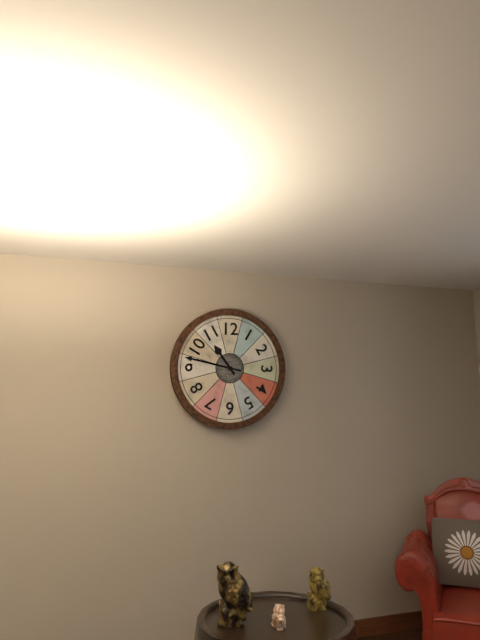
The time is 10,47
